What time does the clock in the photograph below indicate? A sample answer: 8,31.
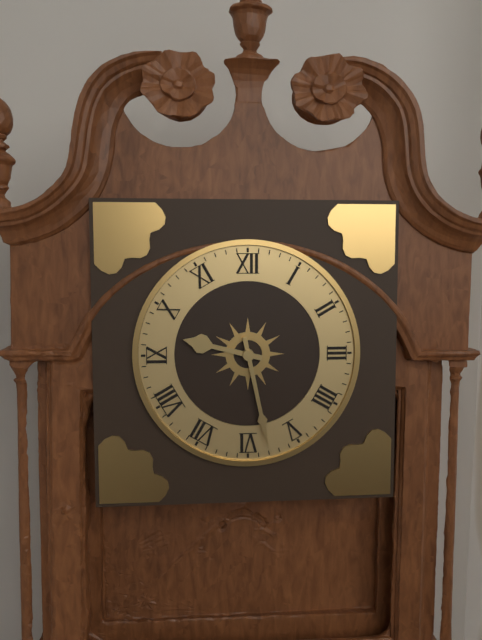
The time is 9,28
